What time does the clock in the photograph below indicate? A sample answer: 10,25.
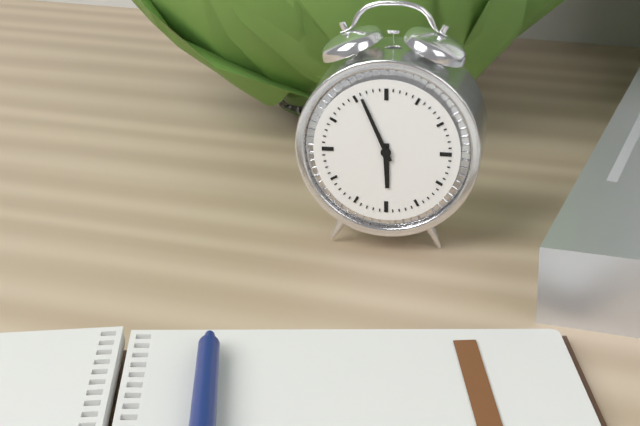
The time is 5,56
